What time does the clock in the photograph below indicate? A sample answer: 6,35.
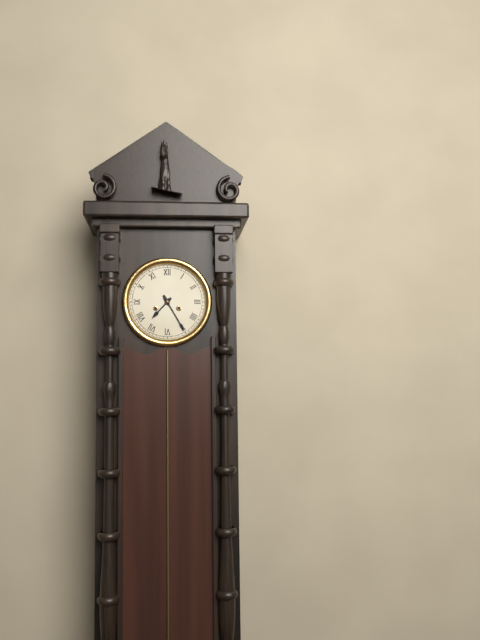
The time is 7,25
